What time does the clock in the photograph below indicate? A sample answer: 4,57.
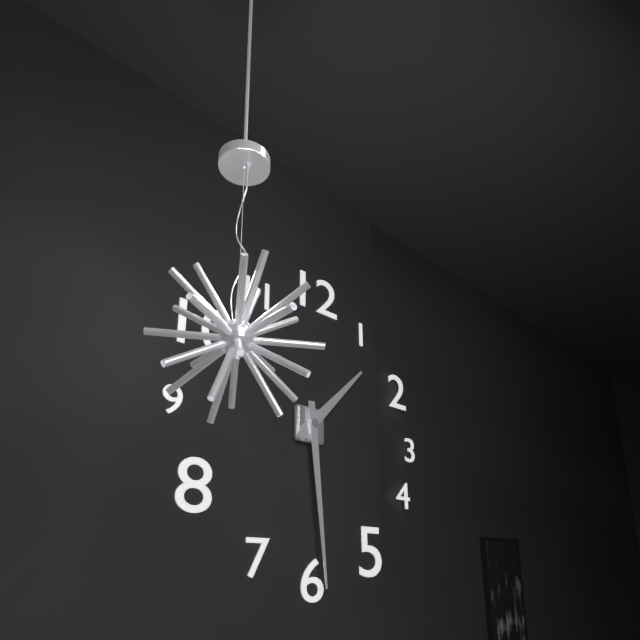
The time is 1,29
